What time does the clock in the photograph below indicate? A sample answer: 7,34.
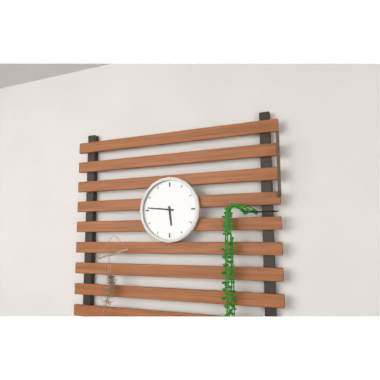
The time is 5,46
